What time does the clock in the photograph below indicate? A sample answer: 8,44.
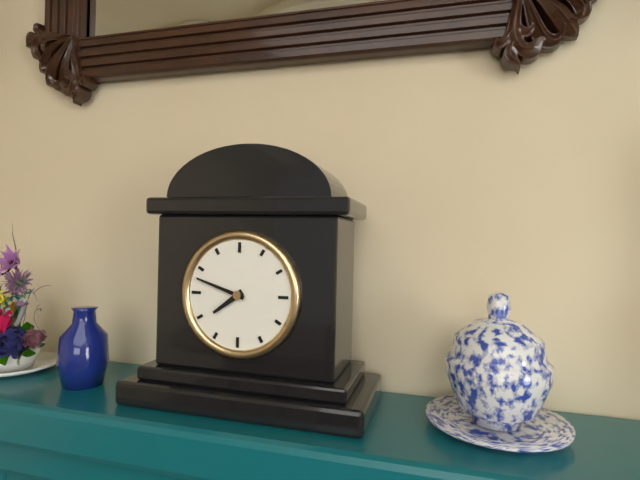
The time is 7,48
